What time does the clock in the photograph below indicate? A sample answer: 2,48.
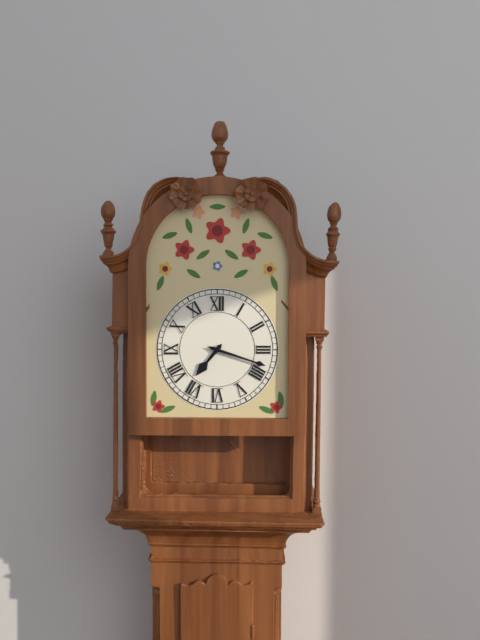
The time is 7,18
